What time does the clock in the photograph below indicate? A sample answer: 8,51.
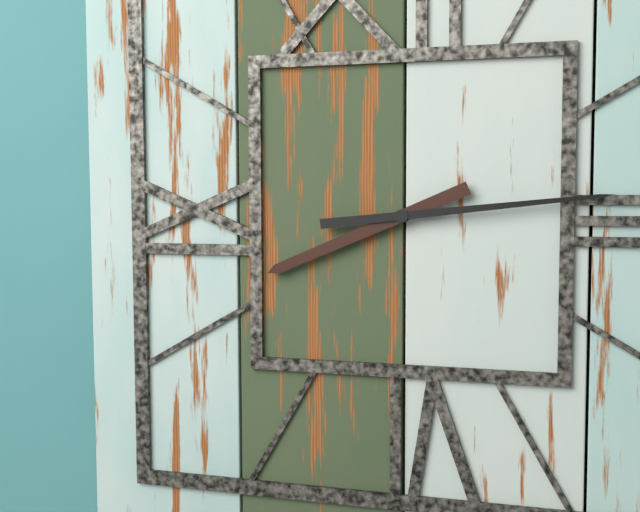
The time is 8,14
